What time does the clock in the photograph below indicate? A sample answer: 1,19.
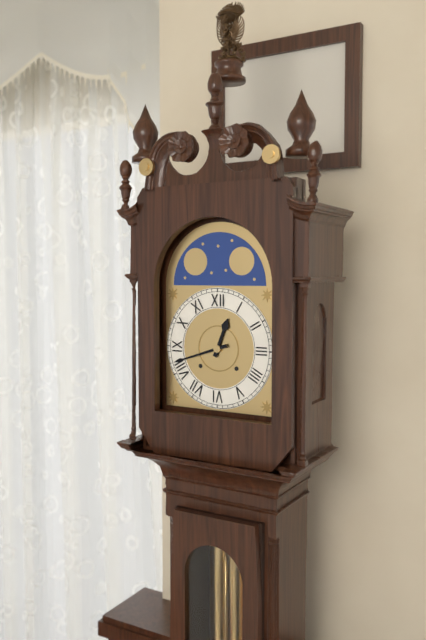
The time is 12,42
